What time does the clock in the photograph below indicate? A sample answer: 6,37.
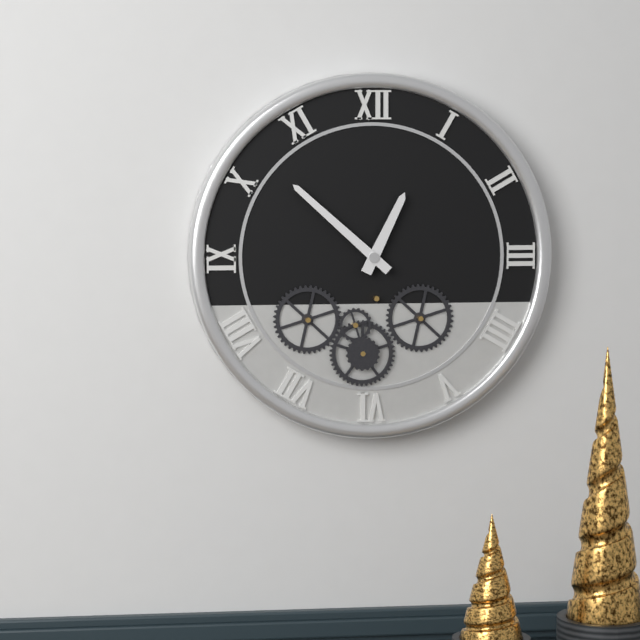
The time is 12,52
